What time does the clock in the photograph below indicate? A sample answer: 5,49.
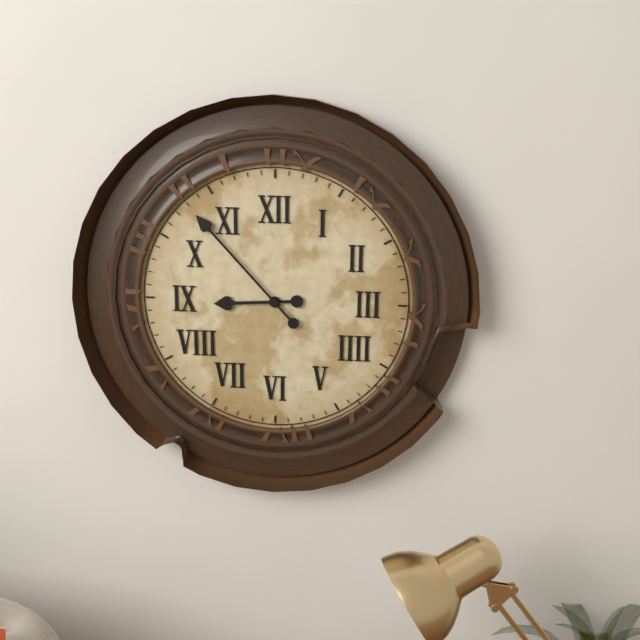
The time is 8,53
